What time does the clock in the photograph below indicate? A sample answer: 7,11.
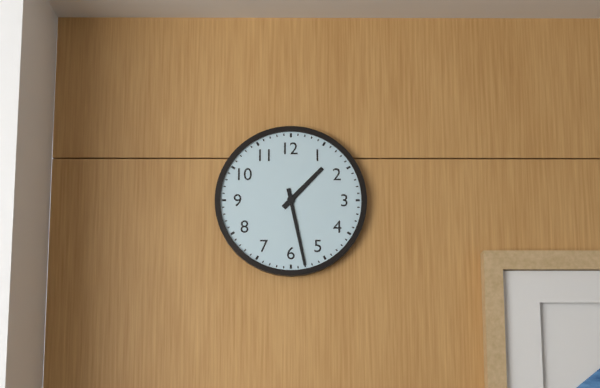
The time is 1,28
